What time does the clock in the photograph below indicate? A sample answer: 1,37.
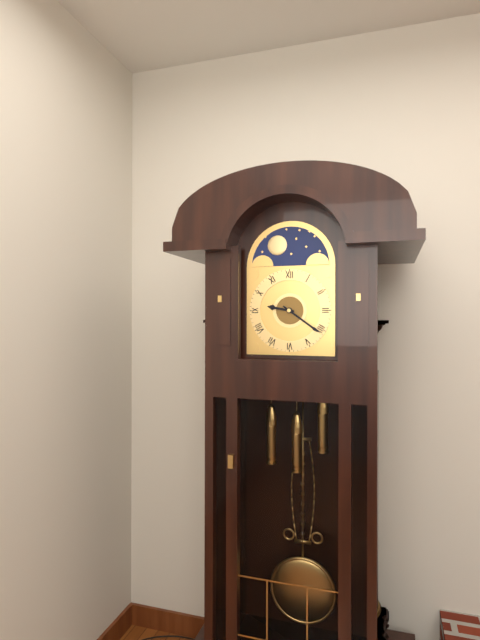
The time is 9,21
